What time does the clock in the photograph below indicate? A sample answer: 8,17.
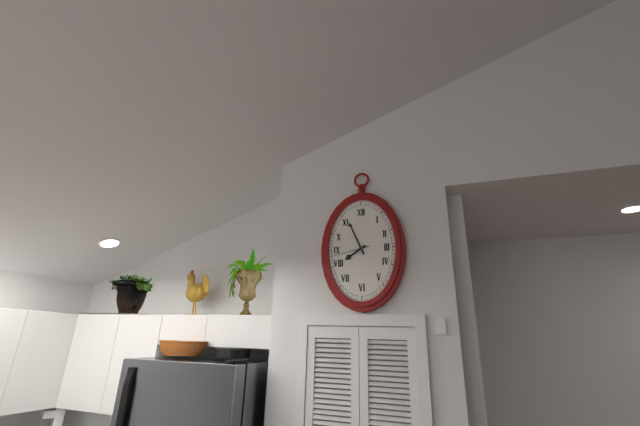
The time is 7,56
